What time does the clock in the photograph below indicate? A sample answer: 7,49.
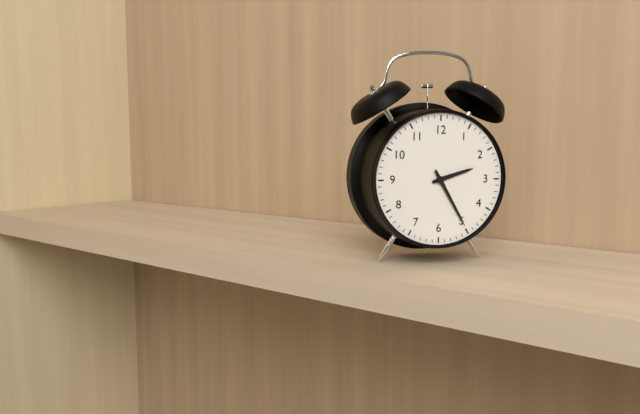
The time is 2,25
